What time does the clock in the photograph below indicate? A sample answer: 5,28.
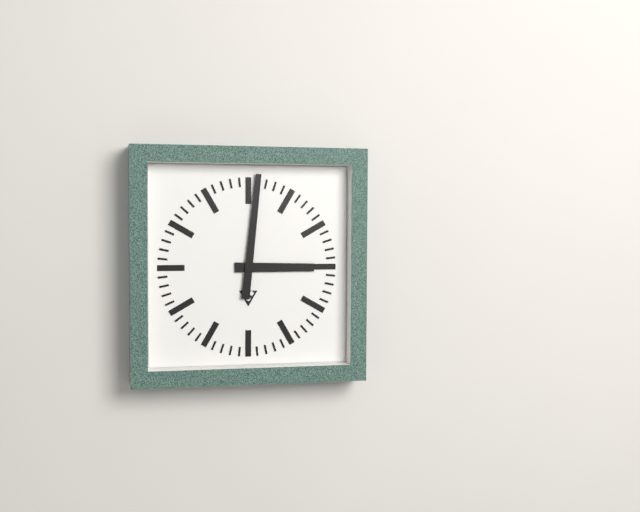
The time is 3,01
